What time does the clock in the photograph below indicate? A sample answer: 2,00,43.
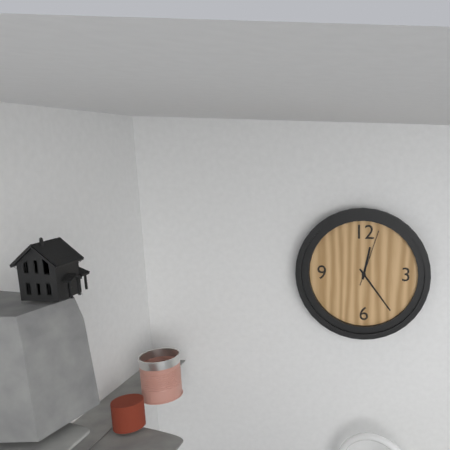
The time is 12,24,03
